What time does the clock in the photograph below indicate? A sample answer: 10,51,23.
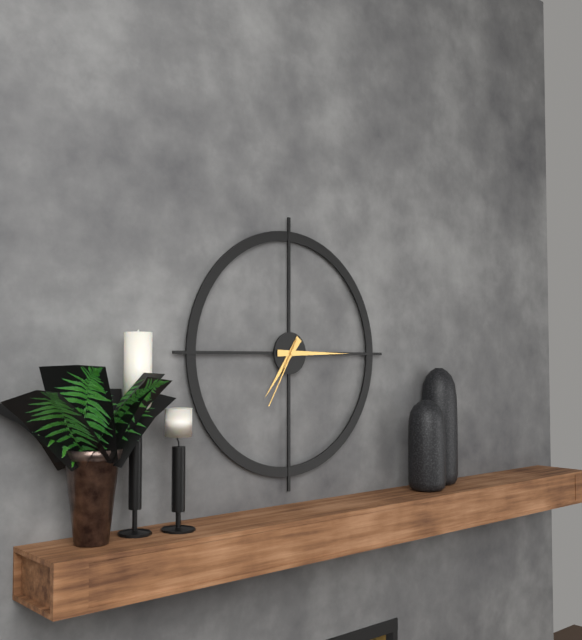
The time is 7,15,35
